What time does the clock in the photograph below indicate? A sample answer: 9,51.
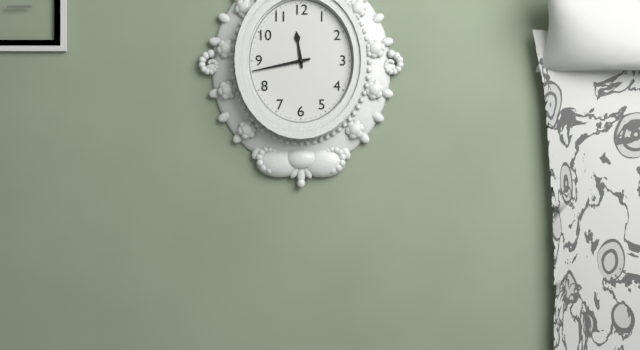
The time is 11,43
